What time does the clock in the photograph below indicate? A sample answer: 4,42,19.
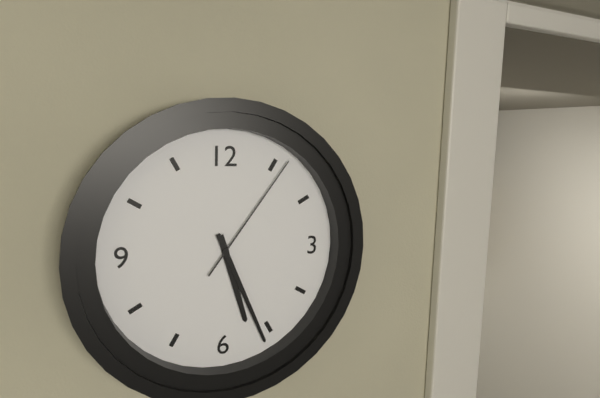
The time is 5,26,06
